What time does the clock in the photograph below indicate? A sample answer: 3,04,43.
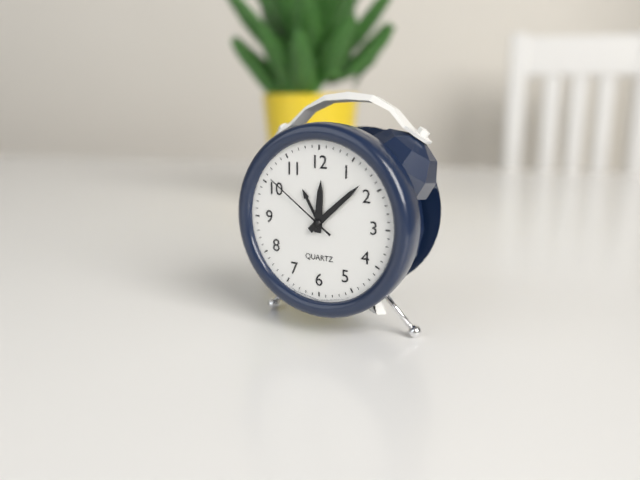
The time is 12,08,51
